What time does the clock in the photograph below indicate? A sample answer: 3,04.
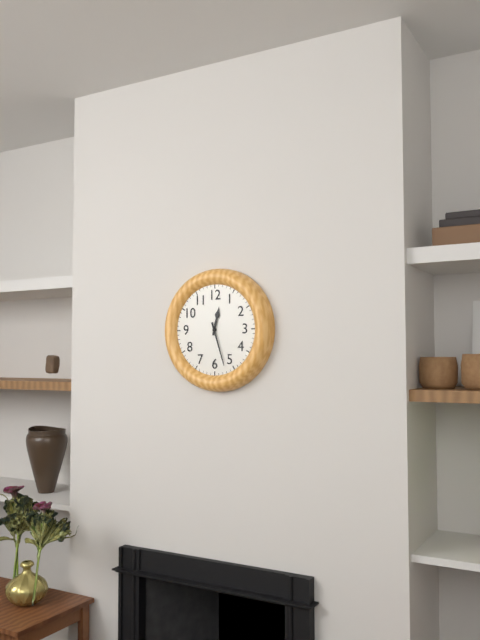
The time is 12,27
